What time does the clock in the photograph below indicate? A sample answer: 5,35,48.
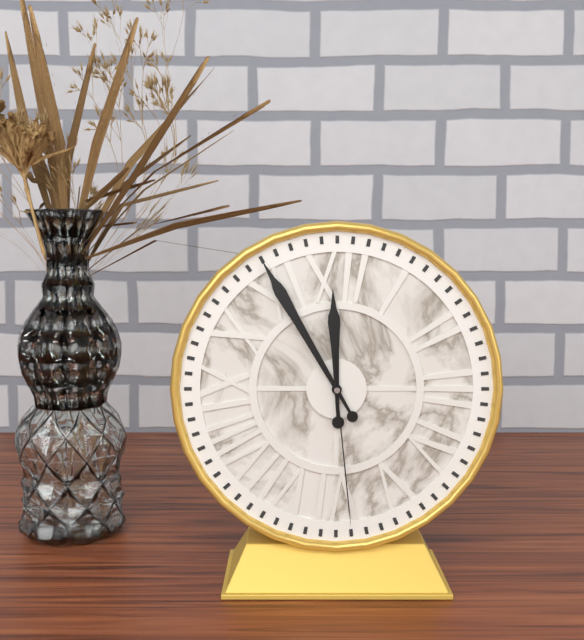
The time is 11,55,29
